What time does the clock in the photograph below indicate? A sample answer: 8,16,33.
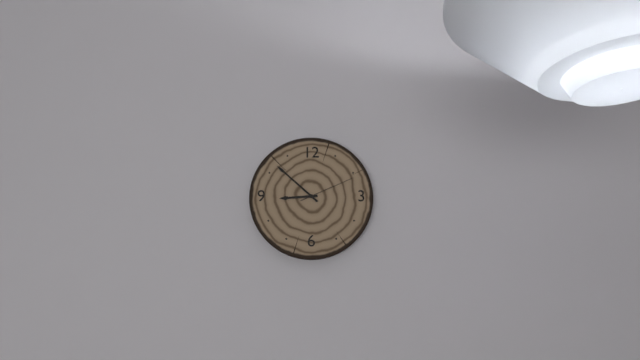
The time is 8,52,11
